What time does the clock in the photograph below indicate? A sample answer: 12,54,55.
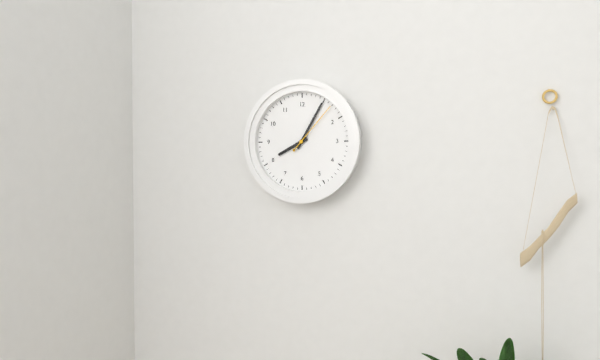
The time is 8,05,07
